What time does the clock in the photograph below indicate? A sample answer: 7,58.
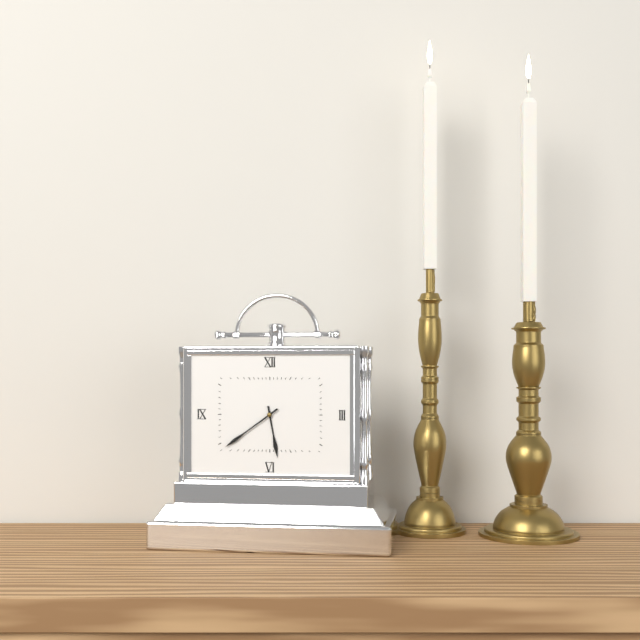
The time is 5,39
